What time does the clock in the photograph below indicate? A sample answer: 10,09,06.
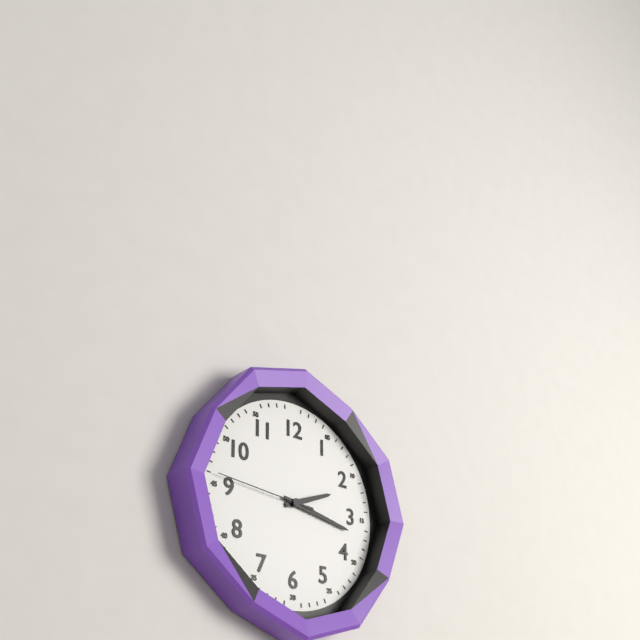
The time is 2,17,46
